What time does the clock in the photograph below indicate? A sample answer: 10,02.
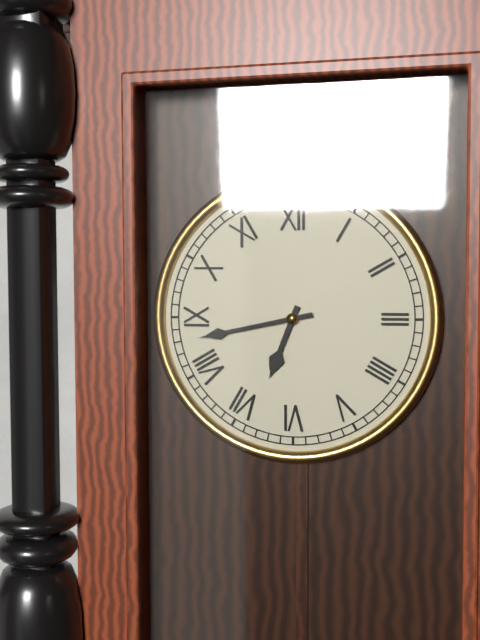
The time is 6,43
